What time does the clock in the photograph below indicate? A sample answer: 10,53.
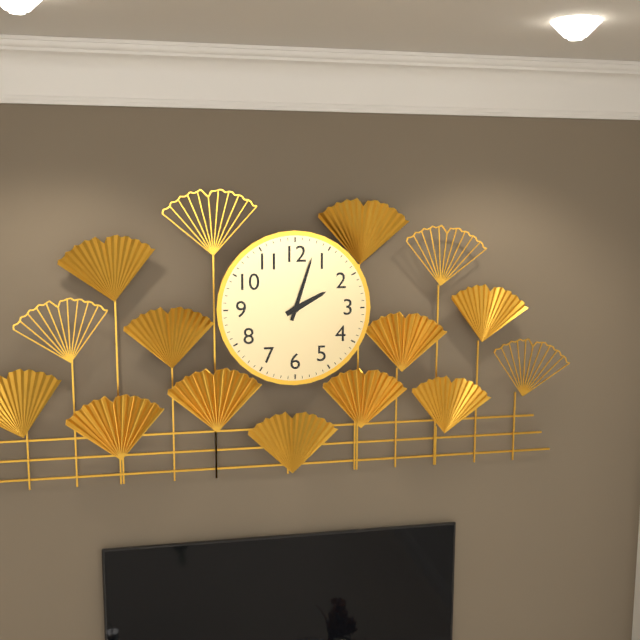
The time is 2,03
